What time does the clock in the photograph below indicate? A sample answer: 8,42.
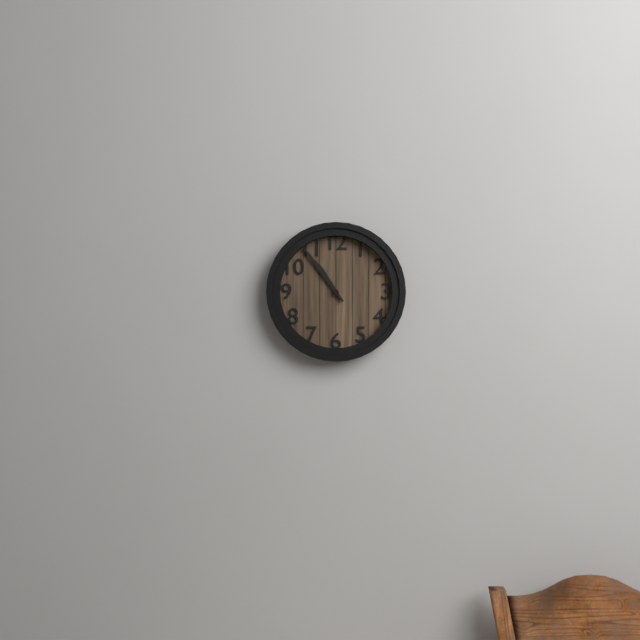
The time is 10,54
